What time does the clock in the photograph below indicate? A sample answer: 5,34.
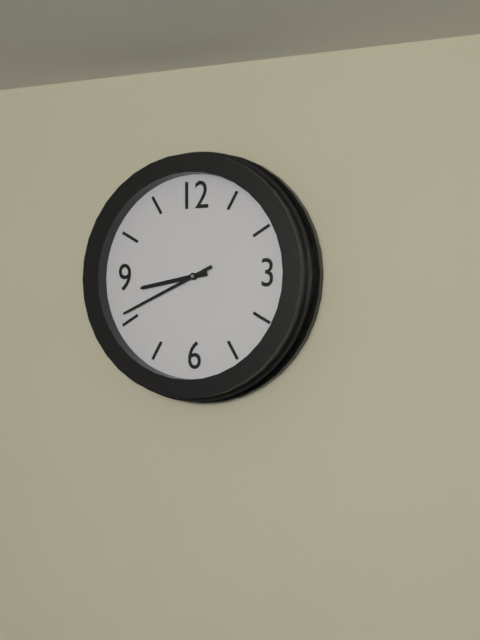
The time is 8,41
